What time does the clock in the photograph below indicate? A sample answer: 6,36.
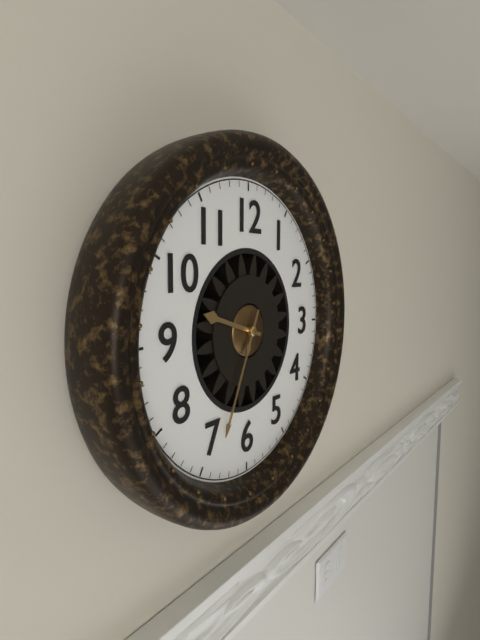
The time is 9,34
